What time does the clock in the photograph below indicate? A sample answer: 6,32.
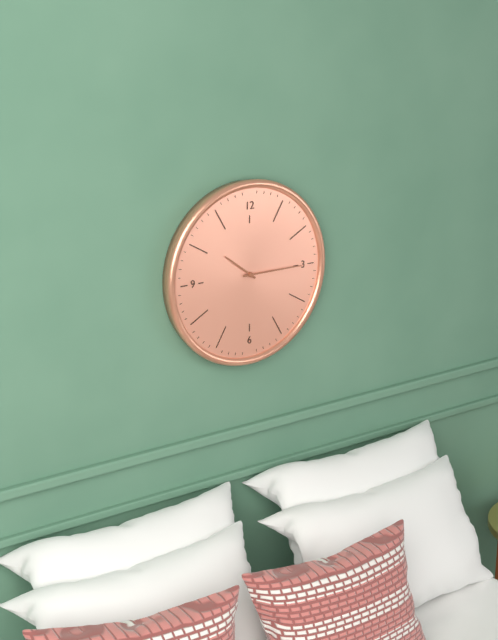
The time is 10,15
